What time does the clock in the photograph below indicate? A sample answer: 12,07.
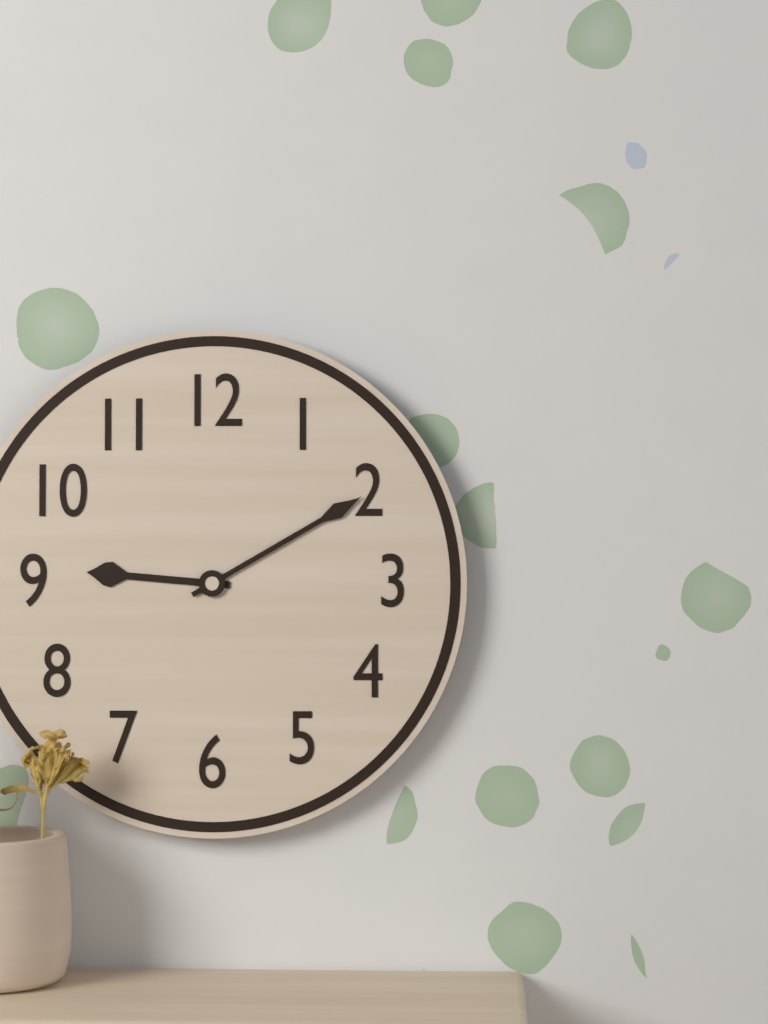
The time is 9,10
